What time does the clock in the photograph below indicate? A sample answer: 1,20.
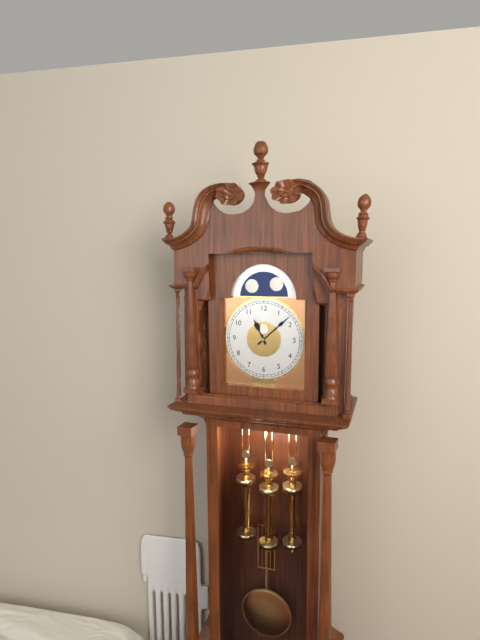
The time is 11,08
